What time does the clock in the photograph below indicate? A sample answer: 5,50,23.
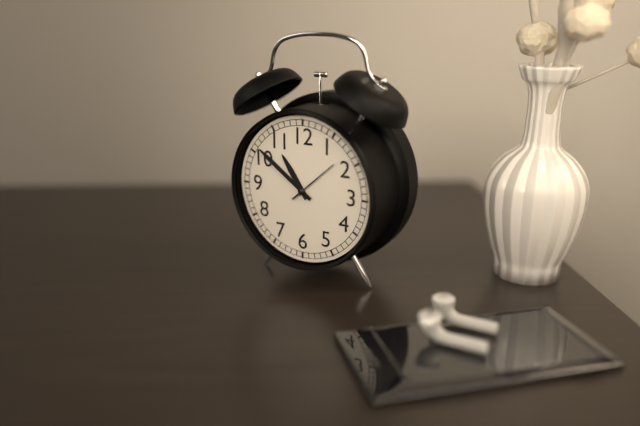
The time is 10,51,08
